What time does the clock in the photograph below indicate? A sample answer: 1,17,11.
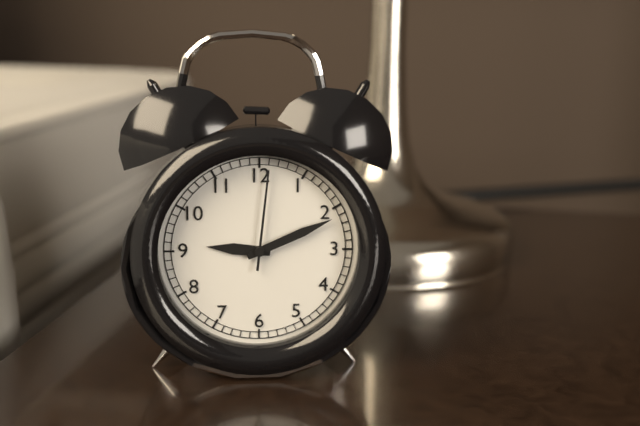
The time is 9,11,01
